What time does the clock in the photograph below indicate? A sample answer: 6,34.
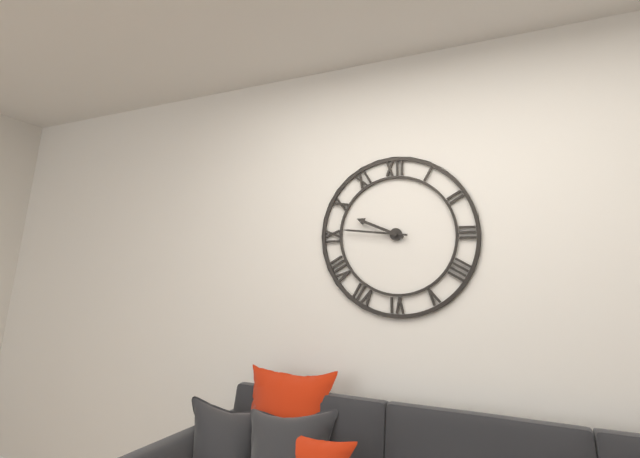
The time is 9,46
